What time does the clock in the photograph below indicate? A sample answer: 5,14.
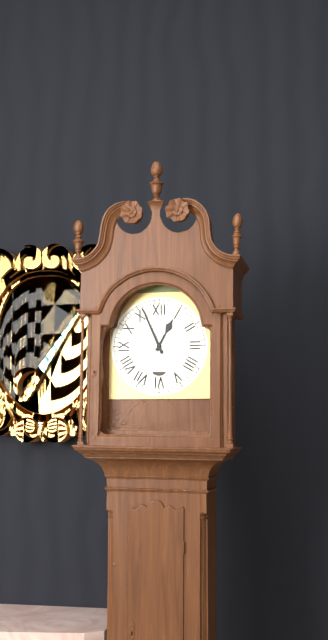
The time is 12,56
